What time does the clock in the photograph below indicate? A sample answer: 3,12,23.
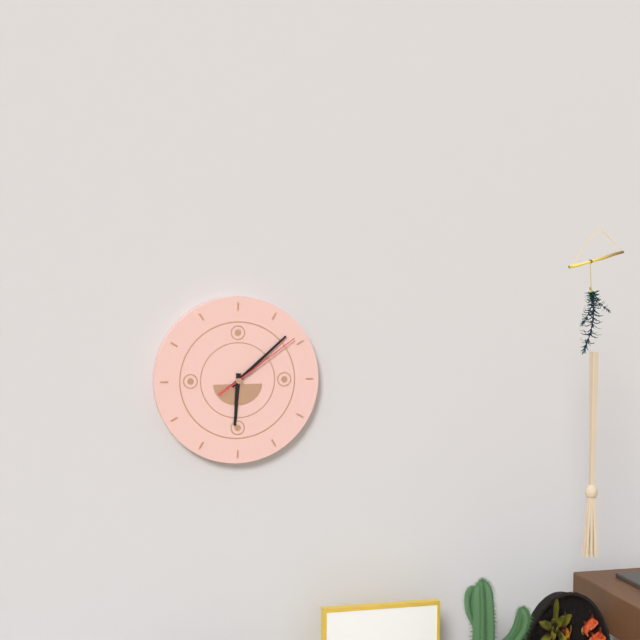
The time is 6,08,09
